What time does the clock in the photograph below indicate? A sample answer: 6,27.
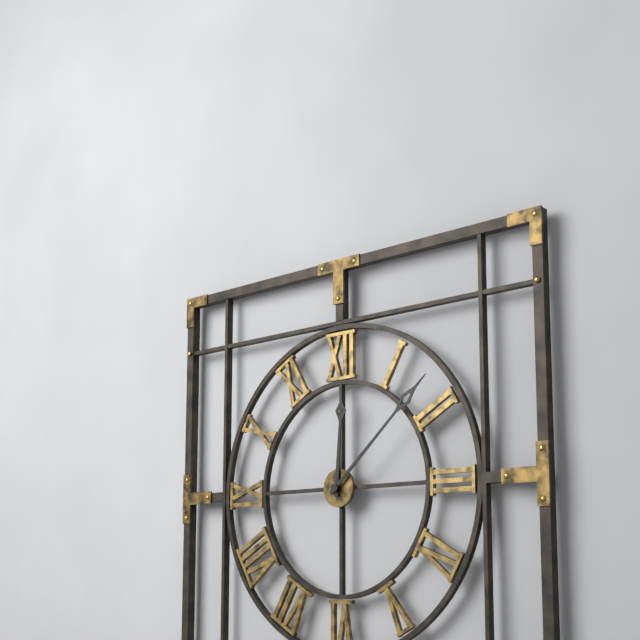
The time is 12,08
